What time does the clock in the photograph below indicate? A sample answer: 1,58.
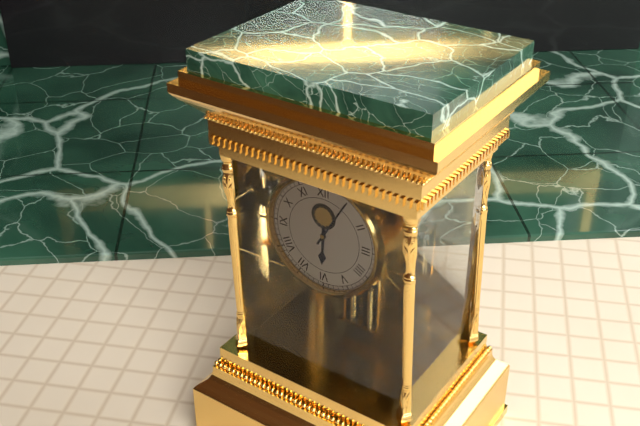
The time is 6,05
